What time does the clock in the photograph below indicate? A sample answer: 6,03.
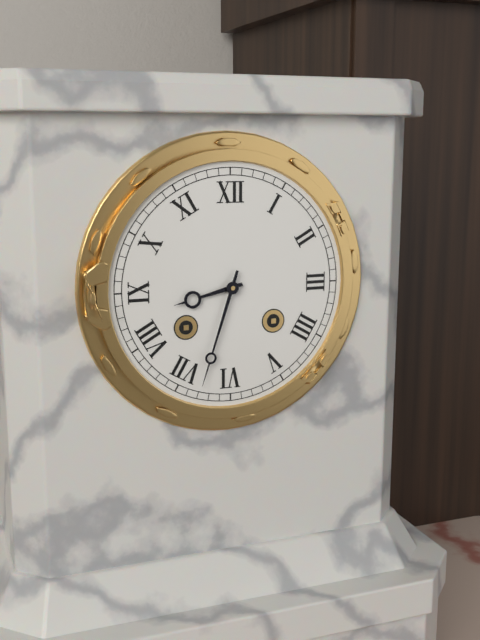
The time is 8,33
